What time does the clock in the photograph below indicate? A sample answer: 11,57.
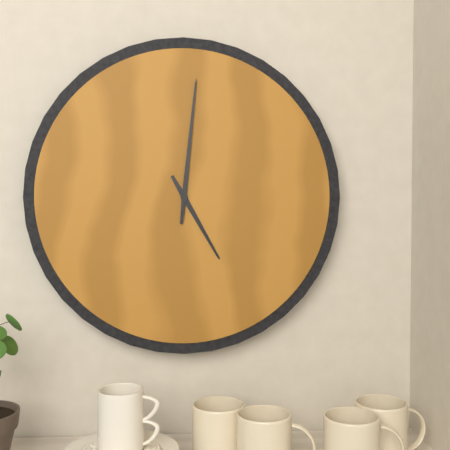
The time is 5,01
